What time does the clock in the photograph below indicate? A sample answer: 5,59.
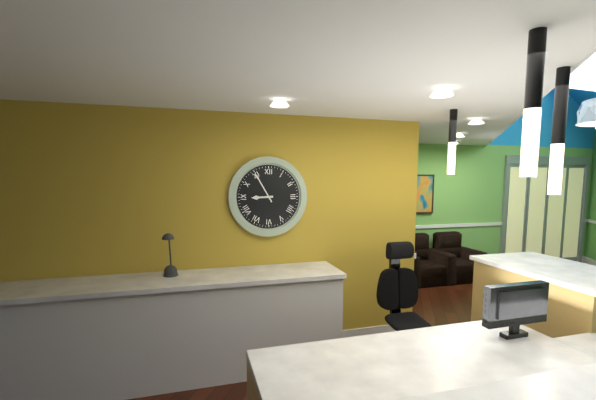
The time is 8,55
